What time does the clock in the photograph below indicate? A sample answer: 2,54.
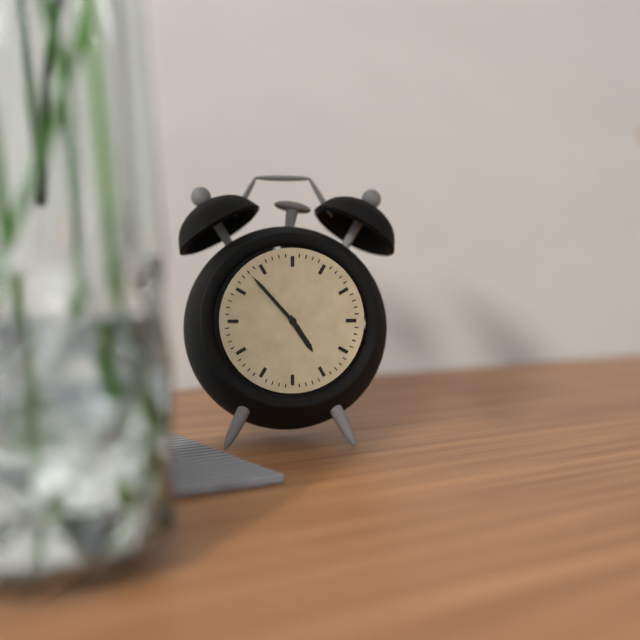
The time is 4,53
